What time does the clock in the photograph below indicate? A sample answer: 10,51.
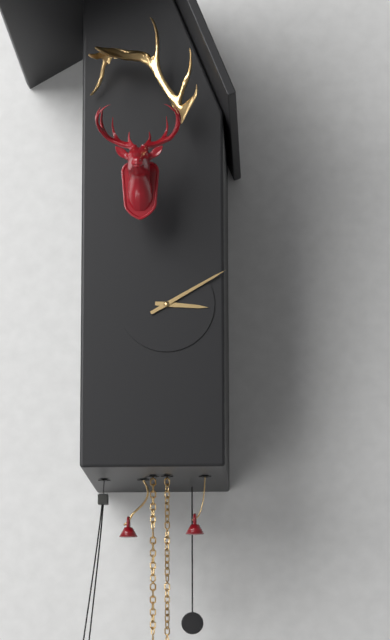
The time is 3,10
